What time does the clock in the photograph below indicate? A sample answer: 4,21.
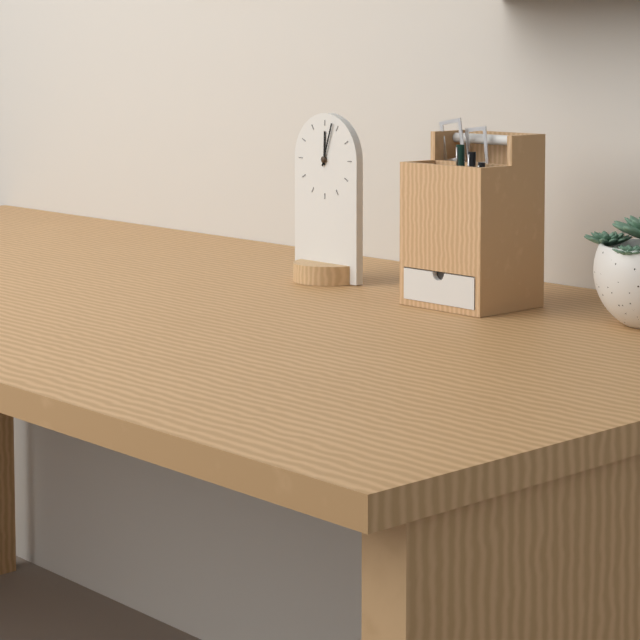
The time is 12,03
